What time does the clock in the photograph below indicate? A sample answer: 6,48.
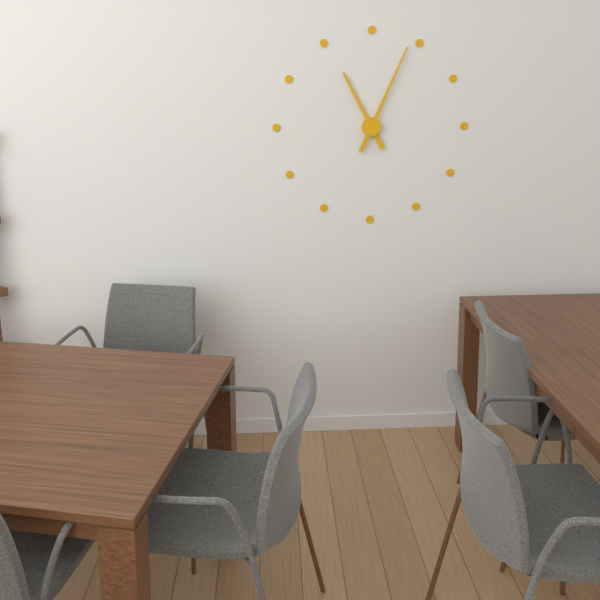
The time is 11,04
